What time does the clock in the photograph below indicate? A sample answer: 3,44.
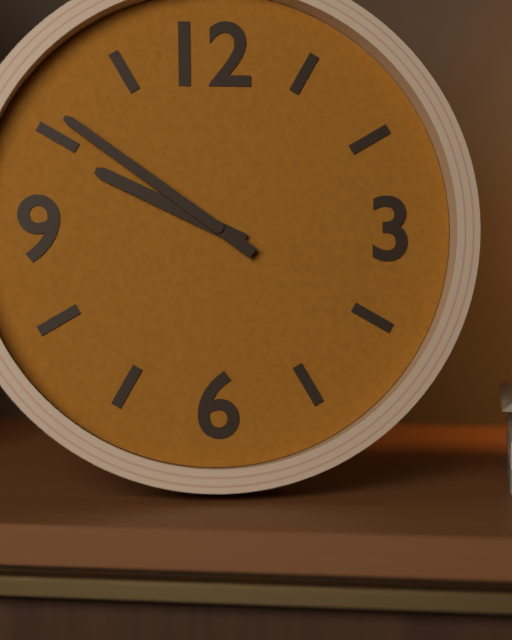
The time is 9,51
